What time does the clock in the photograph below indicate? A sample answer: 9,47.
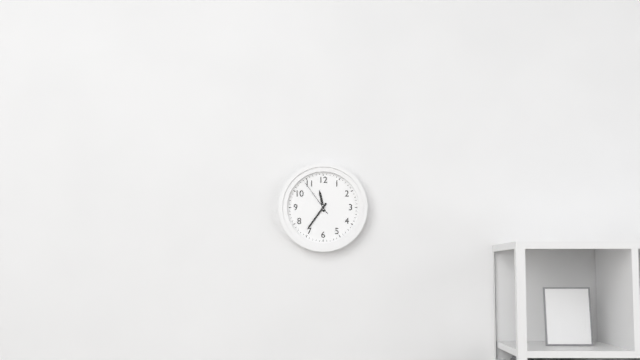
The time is 11,36
